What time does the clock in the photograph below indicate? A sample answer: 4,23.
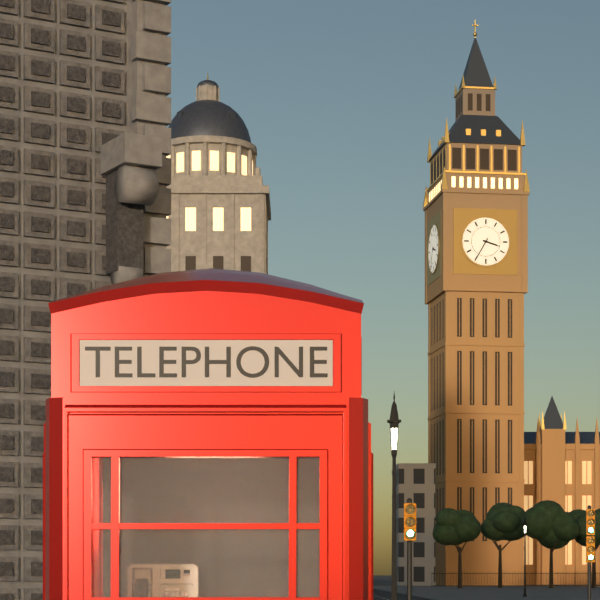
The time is 3,35
